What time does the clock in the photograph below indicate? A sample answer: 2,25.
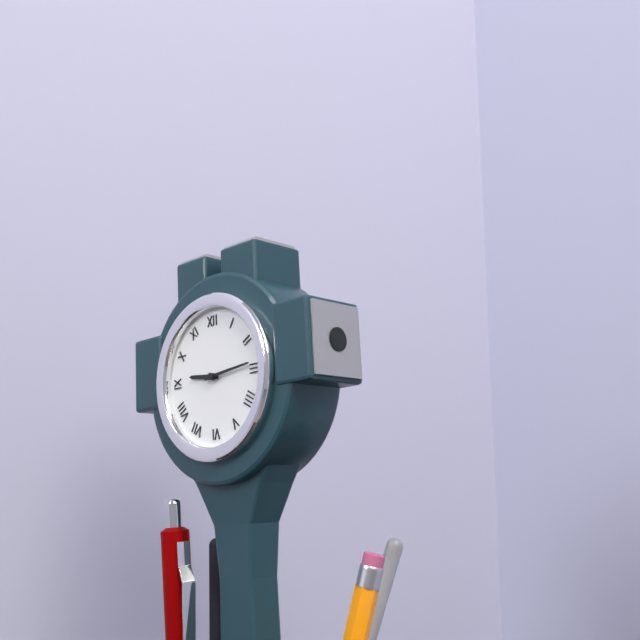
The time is 9,14
